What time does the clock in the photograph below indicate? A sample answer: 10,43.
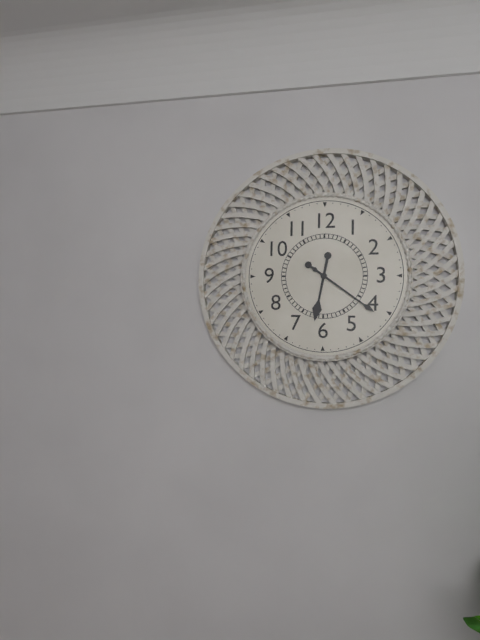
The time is 6,21
